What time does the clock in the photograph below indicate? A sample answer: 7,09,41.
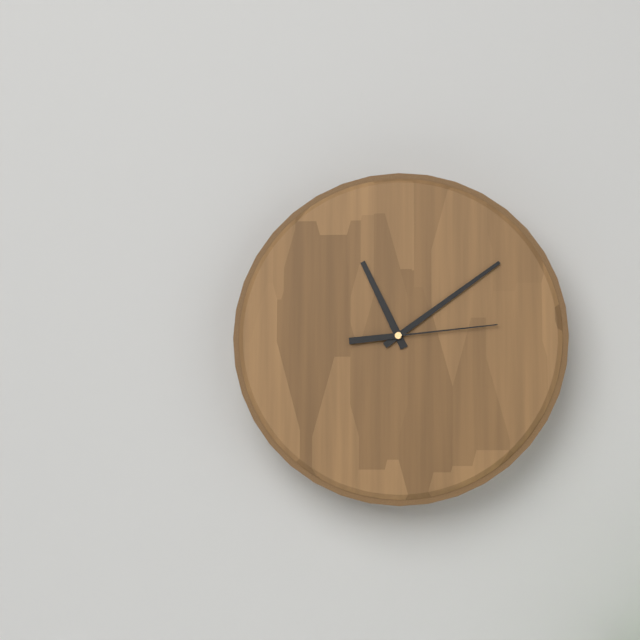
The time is 11,09,14
